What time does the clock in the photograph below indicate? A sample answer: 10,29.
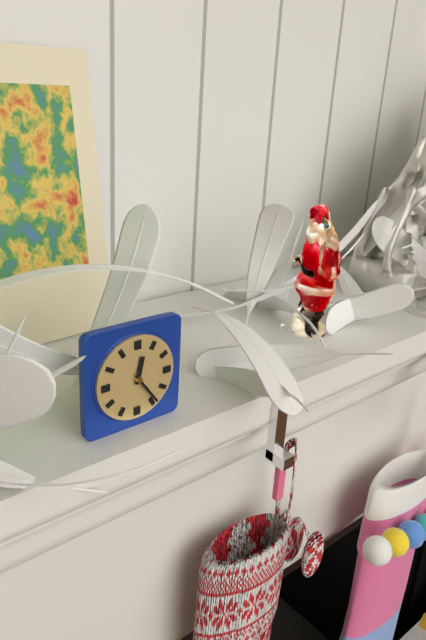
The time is 12,24
